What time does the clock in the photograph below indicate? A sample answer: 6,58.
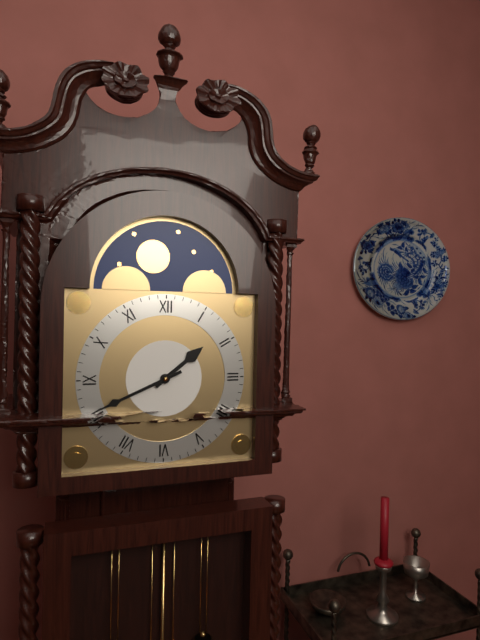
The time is 1,41
